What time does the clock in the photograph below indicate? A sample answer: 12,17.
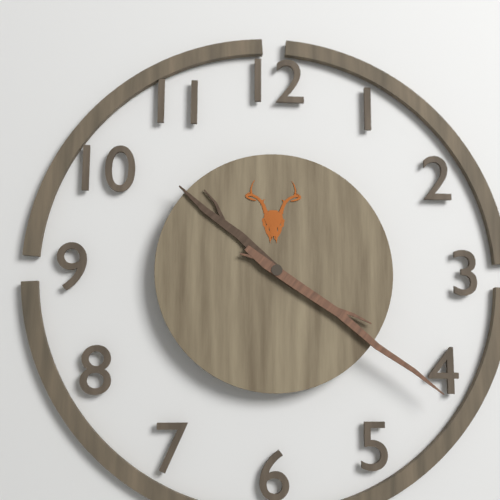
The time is 10,21
